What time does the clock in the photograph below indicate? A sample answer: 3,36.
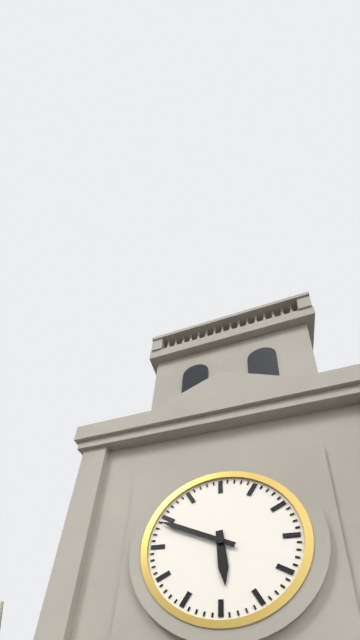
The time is 5,49
